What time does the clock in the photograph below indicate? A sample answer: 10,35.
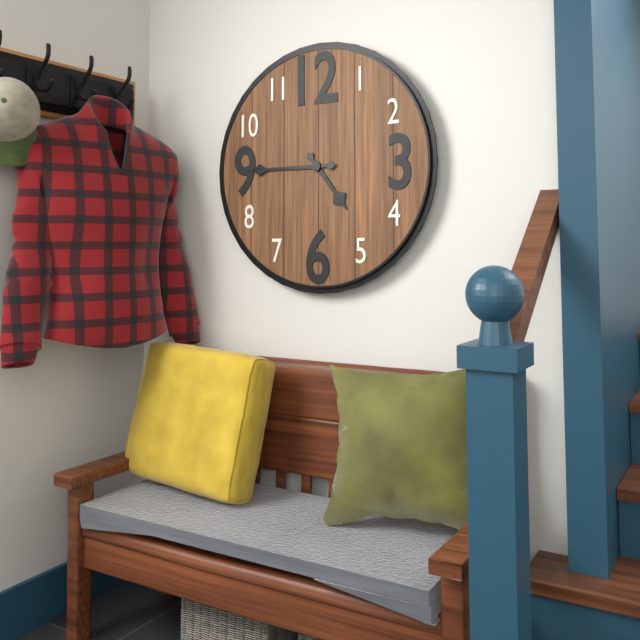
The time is 4,45
